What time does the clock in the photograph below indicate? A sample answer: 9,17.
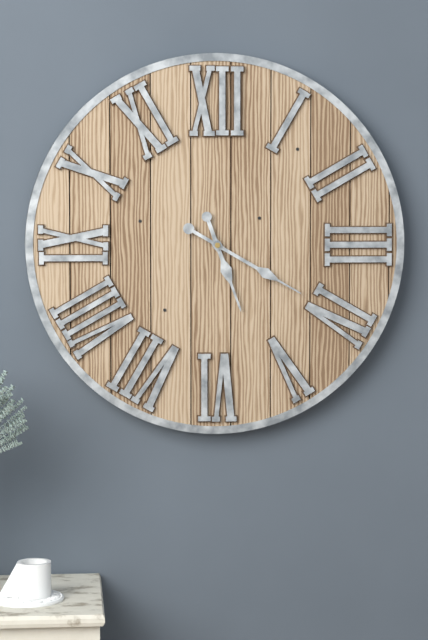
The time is 5,20
